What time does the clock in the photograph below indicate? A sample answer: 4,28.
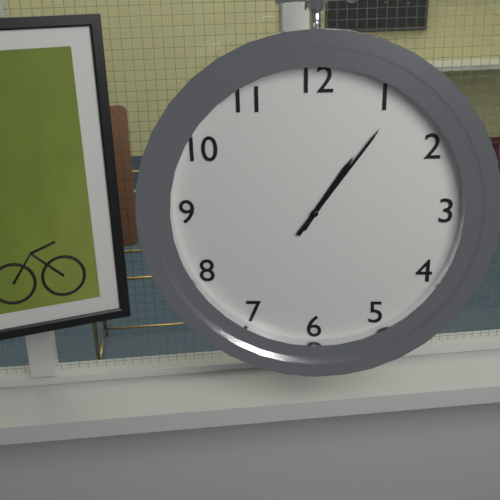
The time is 1,06
